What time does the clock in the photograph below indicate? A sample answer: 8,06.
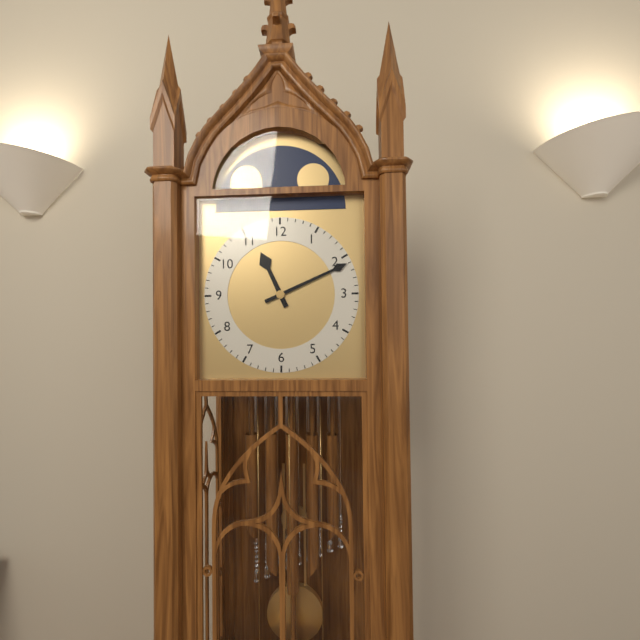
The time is 11,11
